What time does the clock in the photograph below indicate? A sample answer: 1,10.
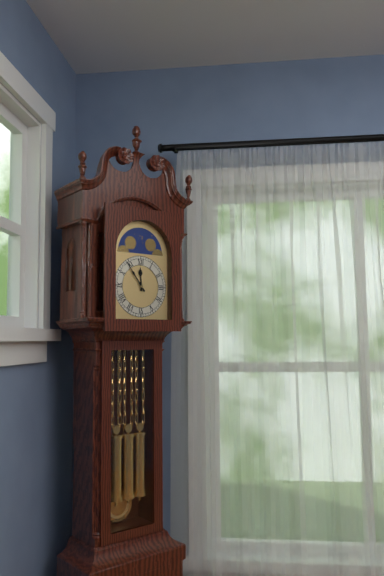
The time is 11,54
